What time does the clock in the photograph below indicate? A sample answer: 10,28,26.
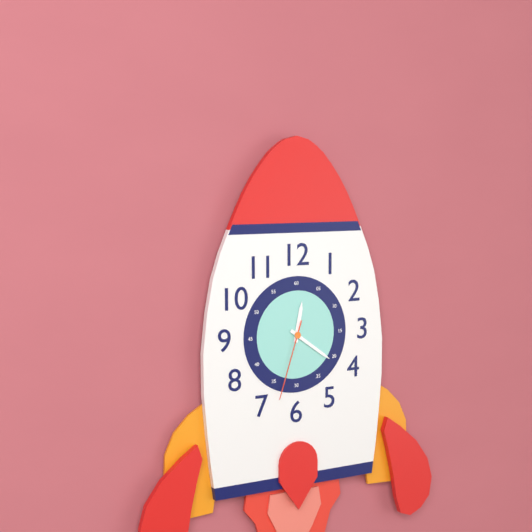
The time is 12,21,33
